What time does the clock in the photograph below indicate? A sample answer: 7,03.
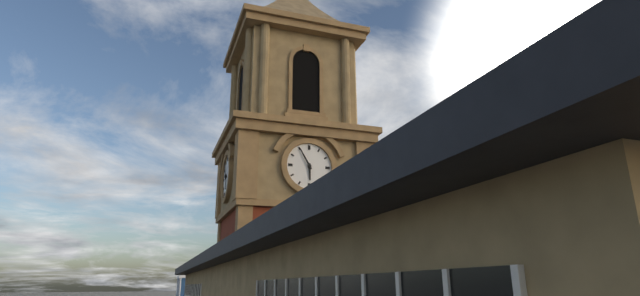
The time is 5,55
